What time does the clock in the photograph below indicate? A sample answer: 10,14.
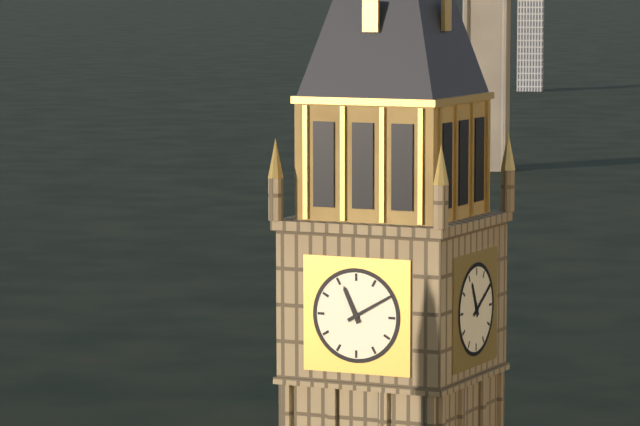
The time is 11,10
